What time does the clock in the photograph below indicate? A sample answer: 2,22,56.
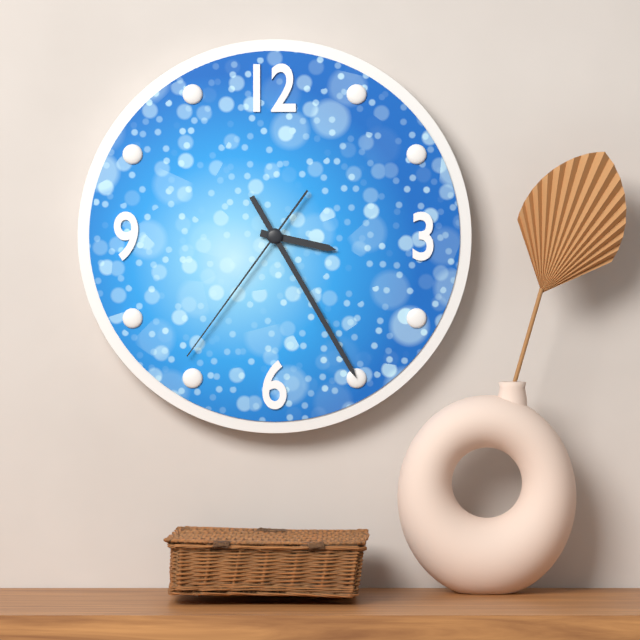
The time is 3,25,36
